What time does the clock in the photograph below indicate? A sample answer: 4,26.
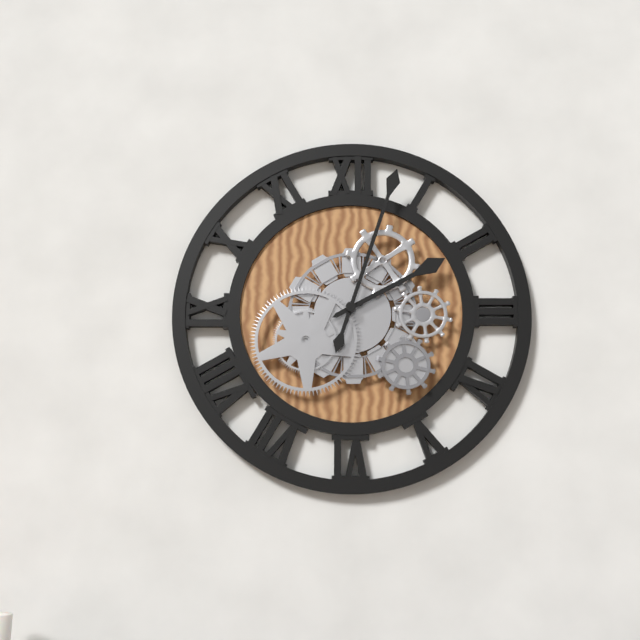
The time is 2,03
